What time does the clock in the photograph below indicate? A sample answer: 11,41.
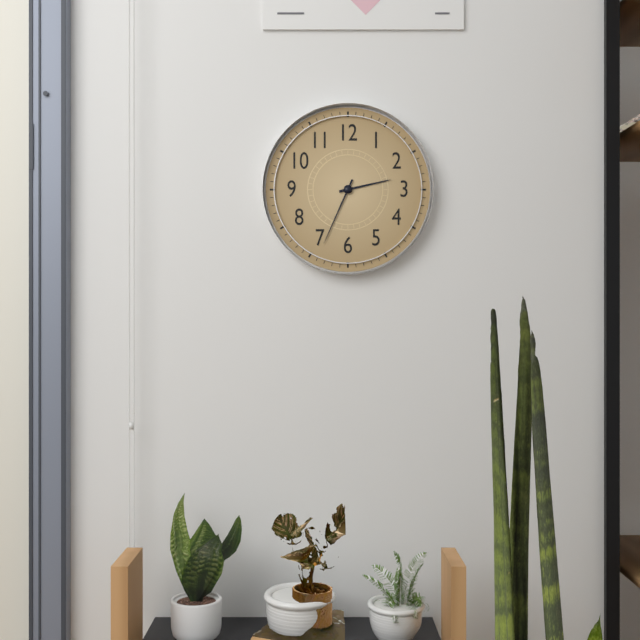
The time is 2,34
